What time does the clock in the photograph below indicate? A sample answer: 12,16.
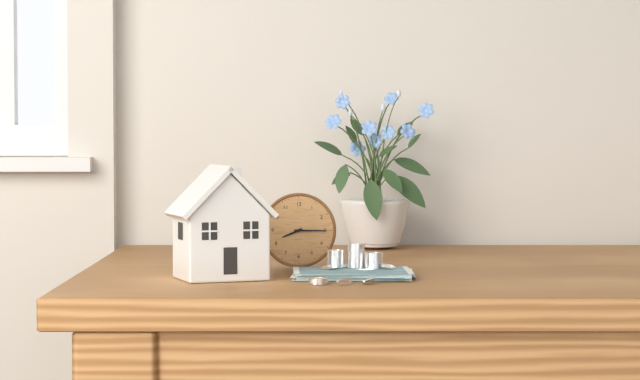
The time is 8,15
